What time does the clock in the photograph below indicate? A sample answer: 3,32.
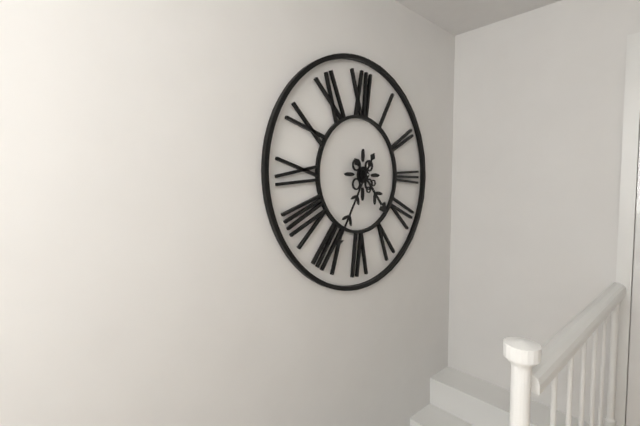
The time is 4,35
